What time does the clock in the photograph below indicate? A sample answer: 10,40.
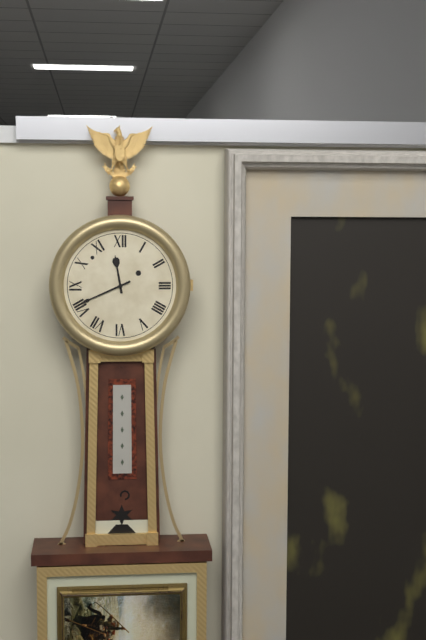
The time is 11,41
